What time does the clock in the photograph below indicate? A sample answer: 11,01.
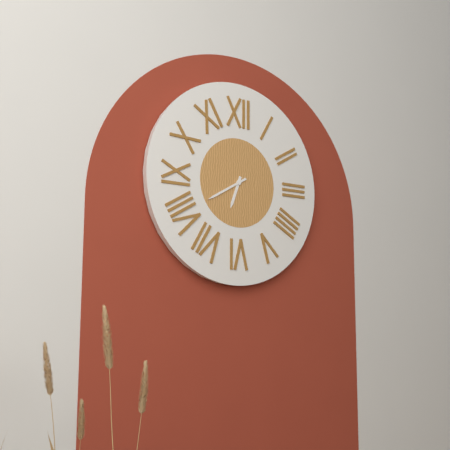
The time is 6,40
